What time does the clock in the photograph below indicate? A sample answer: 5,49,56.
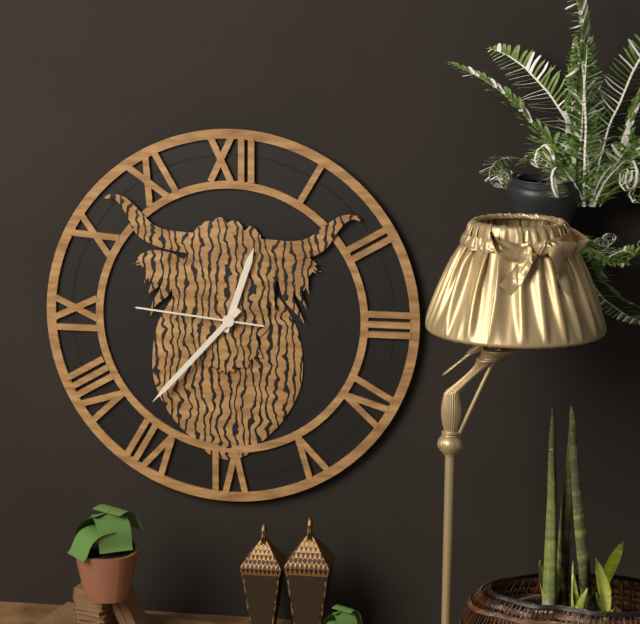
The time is 12,37,46
